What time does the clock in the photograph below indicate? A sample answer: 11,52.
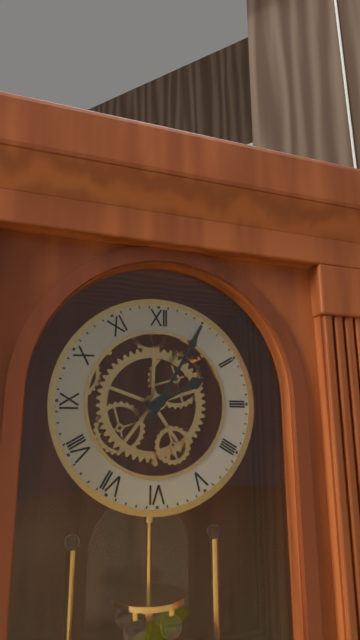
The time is 2,05
